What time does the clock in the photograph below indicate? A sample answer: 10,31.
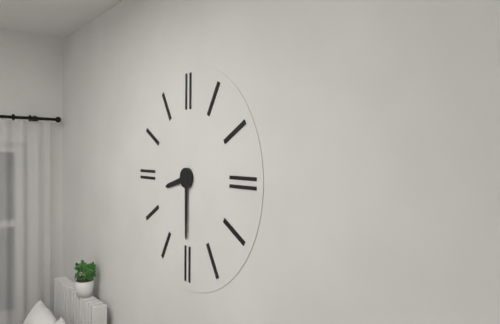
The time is 8,30
